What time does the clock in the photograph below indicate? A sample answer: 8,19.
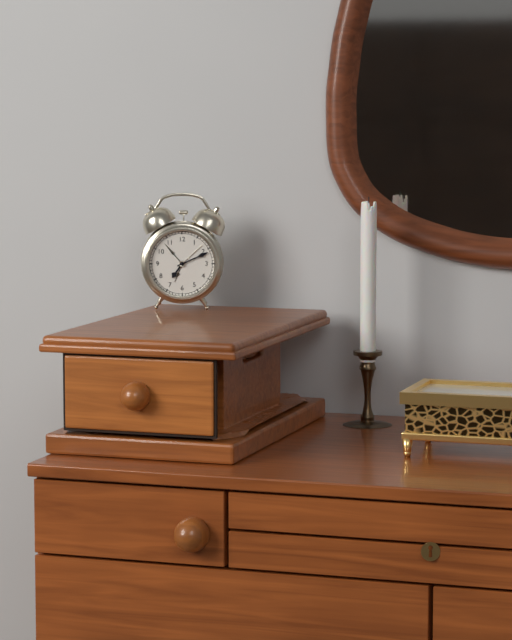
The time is 7,11
